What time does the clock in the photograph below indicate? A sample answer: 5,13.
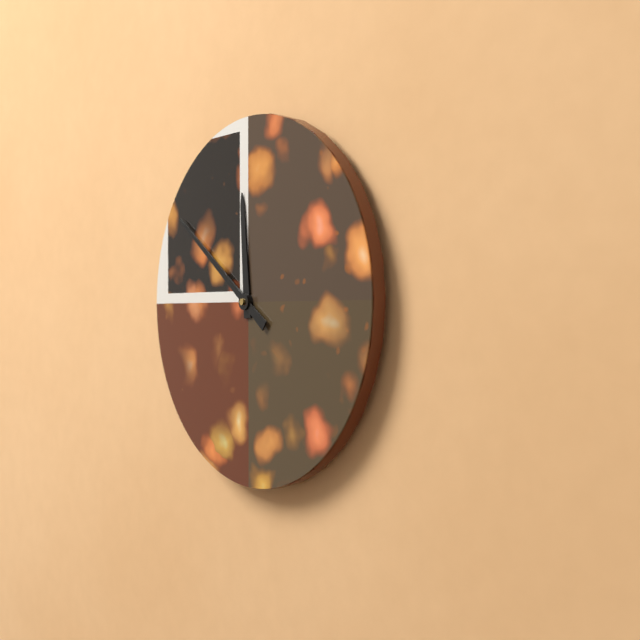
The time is 11,51
